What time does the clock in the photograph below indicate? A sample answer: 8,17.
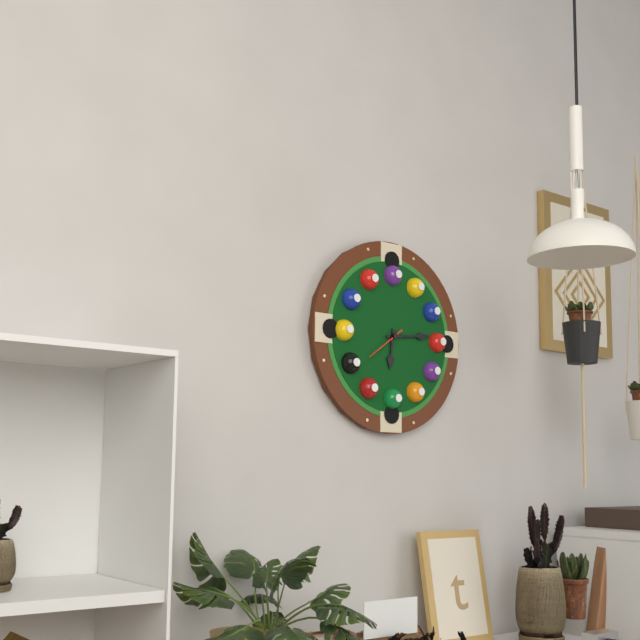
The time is 6,14
